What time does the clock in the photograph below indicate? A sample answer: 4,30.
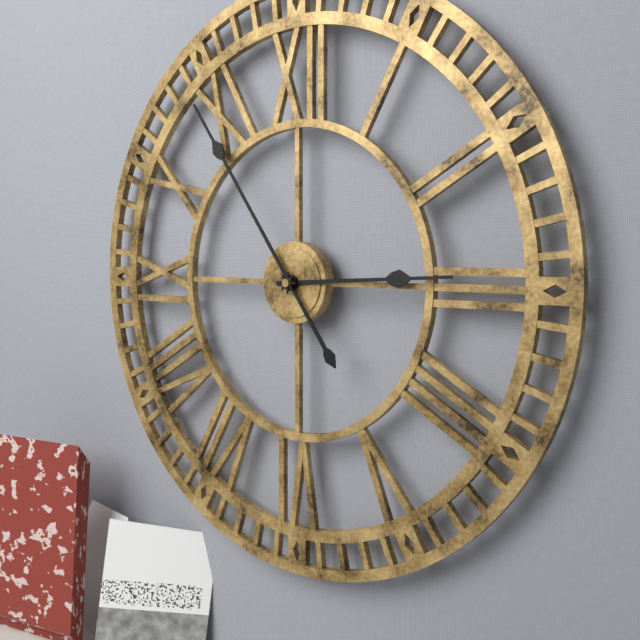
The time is 2,54
